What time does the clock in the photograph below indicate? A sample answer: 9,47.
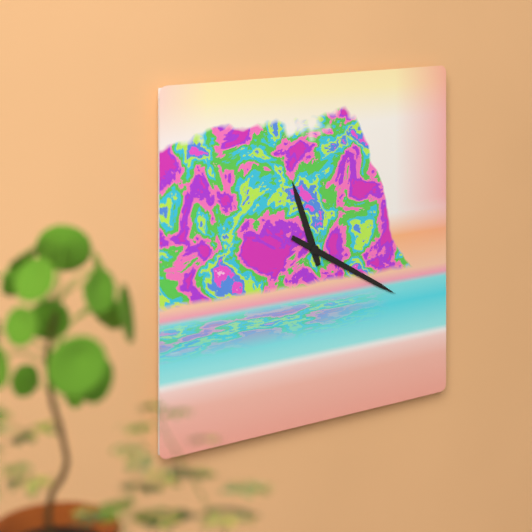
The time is 11,20
